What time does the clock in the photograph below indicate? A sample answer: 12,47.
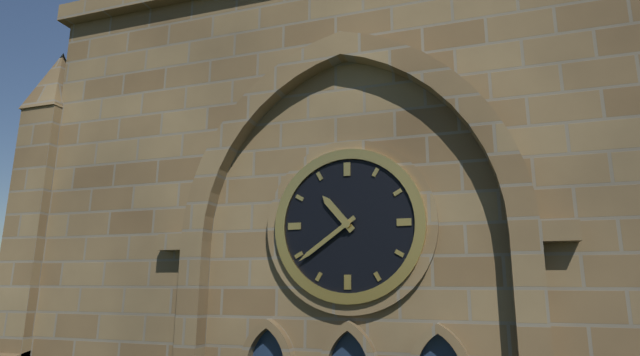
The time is 10,39
